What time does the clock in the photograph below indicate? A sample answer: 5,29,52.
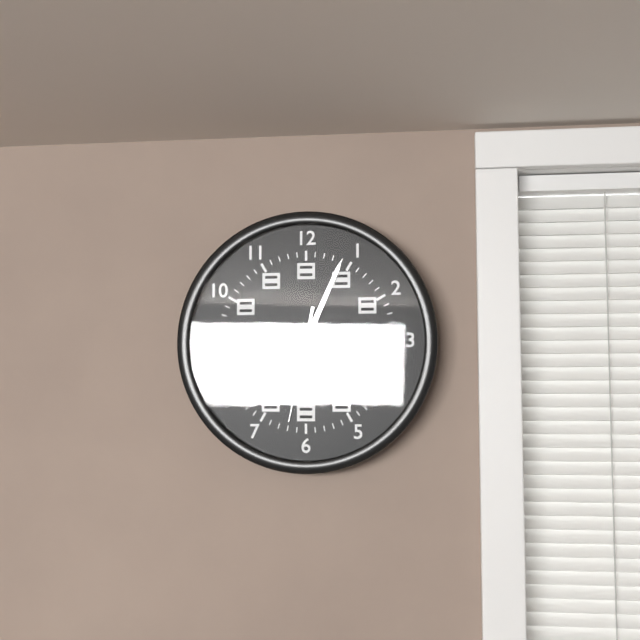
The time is 5,04,32
